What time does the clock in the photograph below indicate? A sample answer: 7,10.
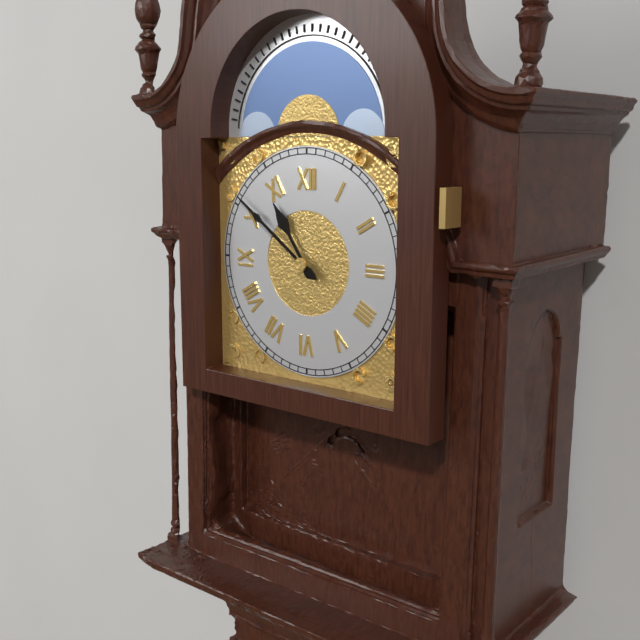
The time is 10,51
